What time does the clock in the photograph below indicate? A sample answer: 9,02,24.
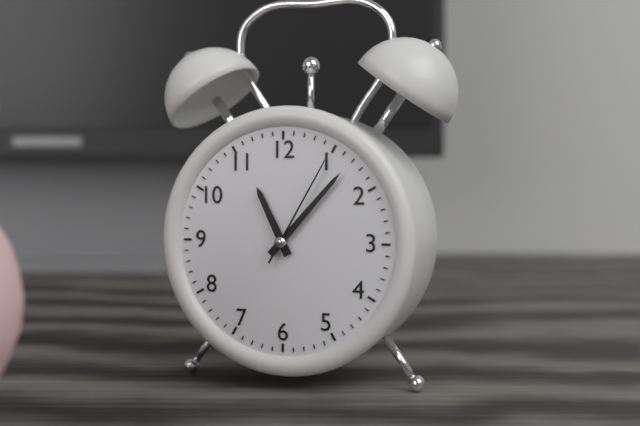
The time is 11,07,05
